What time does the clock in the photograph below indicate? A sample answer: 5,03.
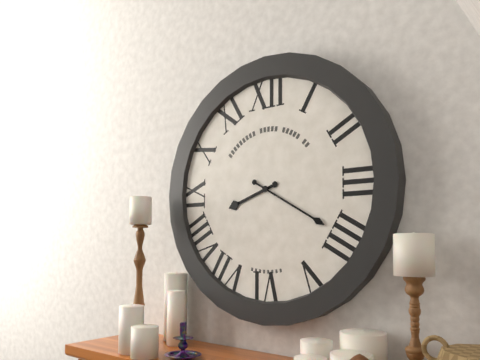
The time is 8,20
